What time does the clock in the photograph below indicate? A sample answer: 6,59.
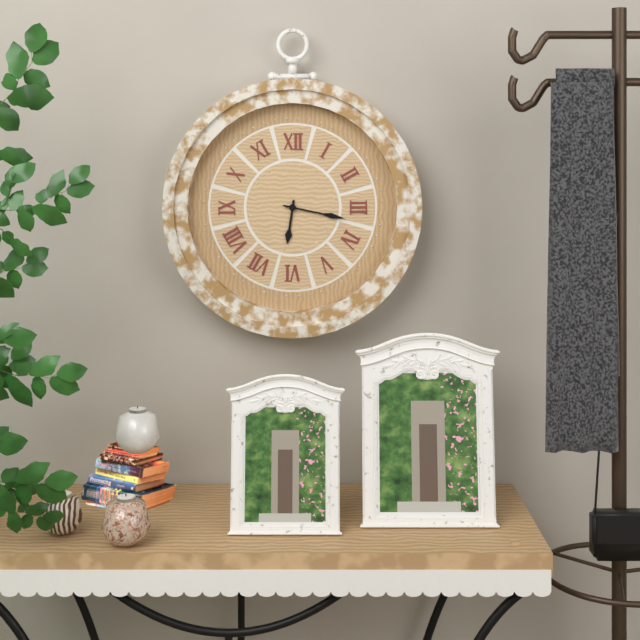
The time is 6,17
